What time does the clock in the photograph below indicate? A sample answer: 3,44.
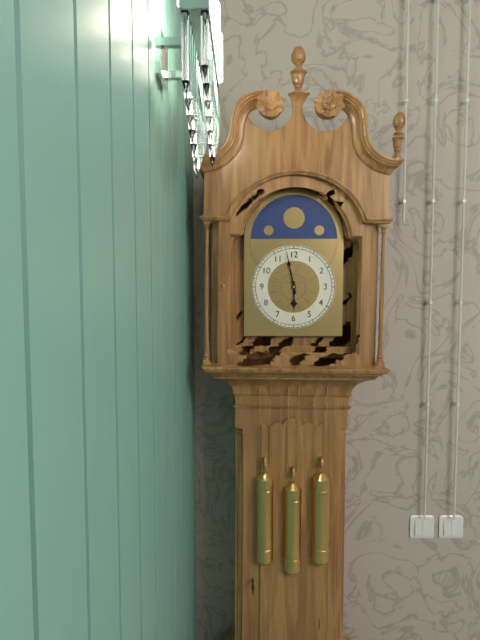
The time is 5,58
